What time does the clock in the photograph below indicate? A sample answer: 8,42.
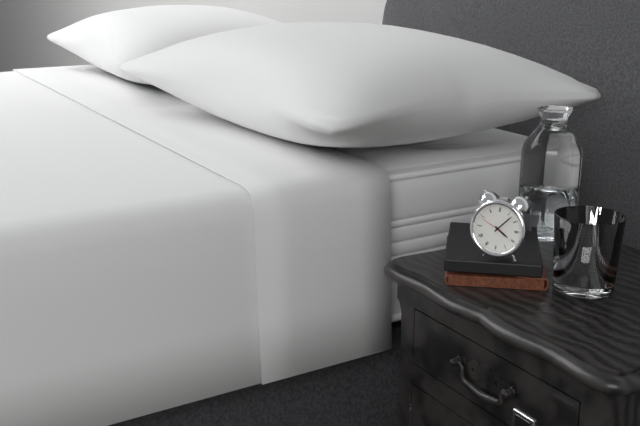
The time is 4,07
